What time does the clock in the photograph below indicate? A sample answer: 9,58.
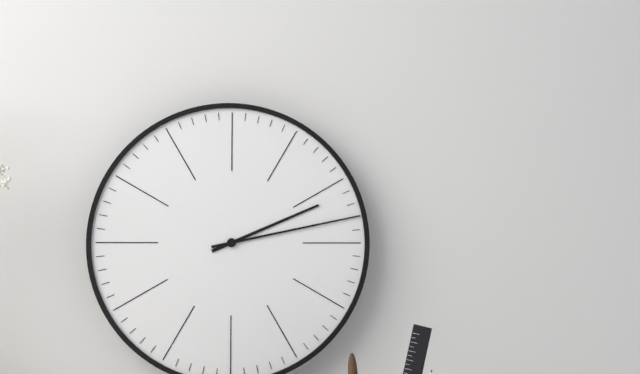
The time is 2,13
